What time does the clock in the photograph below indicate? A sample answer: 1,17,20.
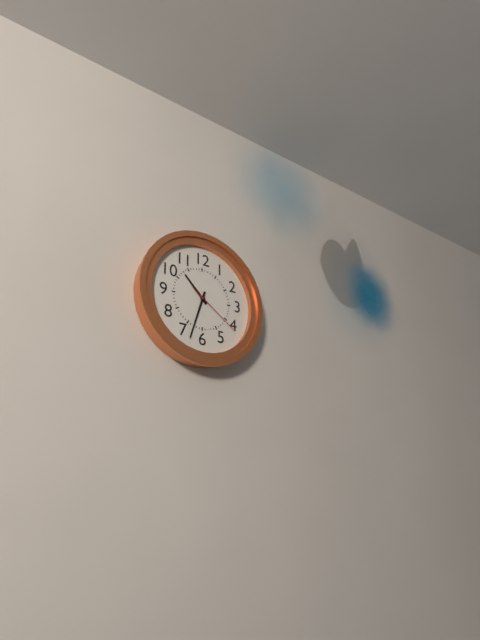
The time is 10,33,21
